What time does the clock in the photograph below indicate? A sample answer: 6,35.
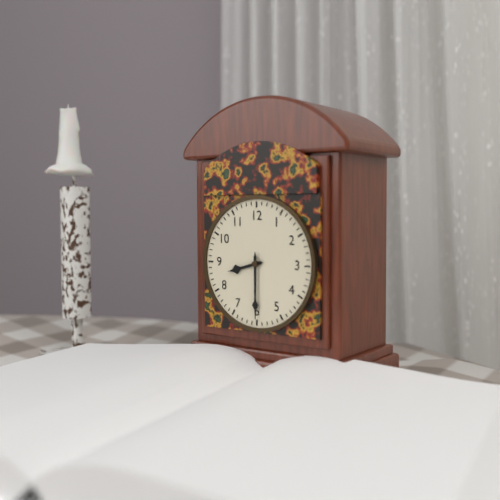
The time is 8,30
